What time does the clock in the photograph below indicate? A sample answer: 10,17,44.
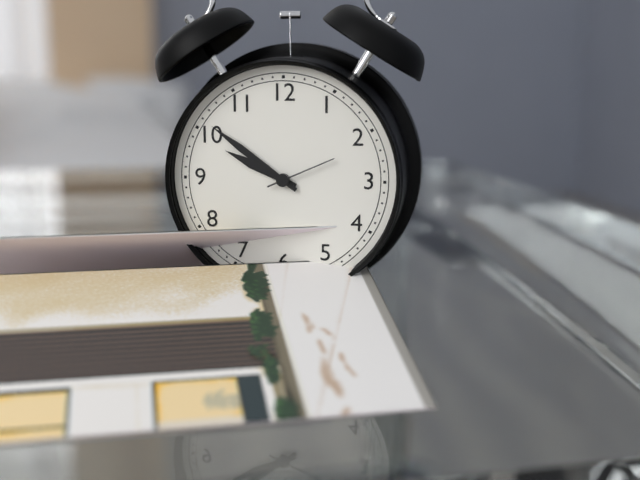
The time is 9,51,11
